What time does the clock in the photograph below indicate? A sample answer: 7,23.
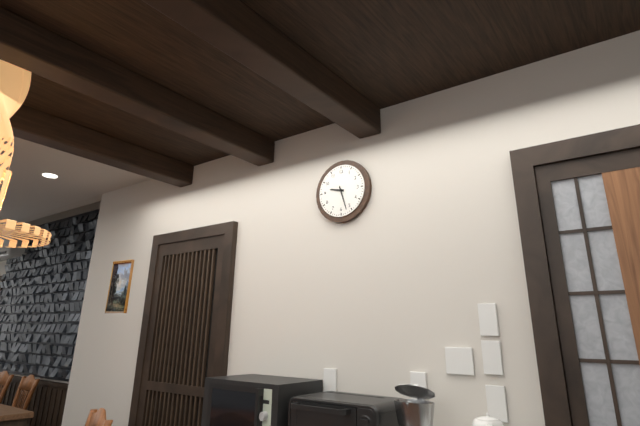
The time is 9,27
